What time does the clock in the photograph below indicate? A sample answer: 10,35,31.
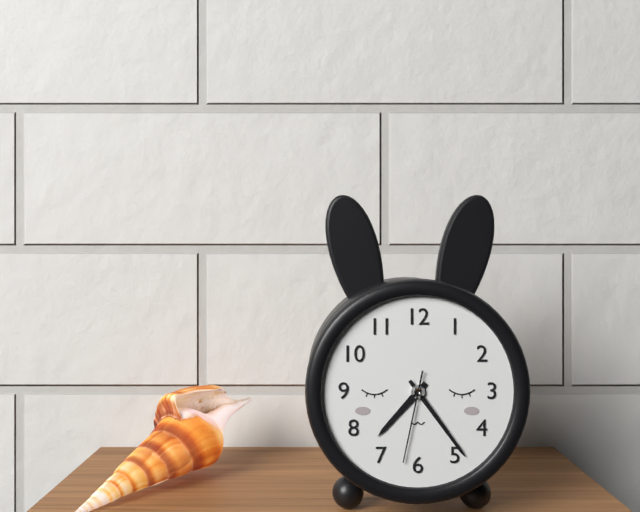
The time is 7,24,32
